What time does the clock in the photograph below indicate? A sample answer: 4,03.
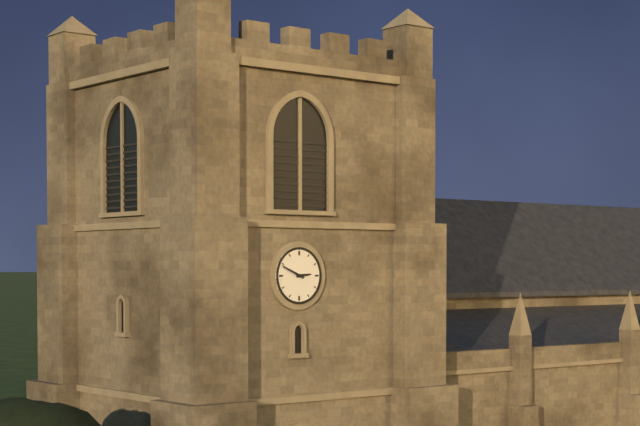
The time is 2,49
